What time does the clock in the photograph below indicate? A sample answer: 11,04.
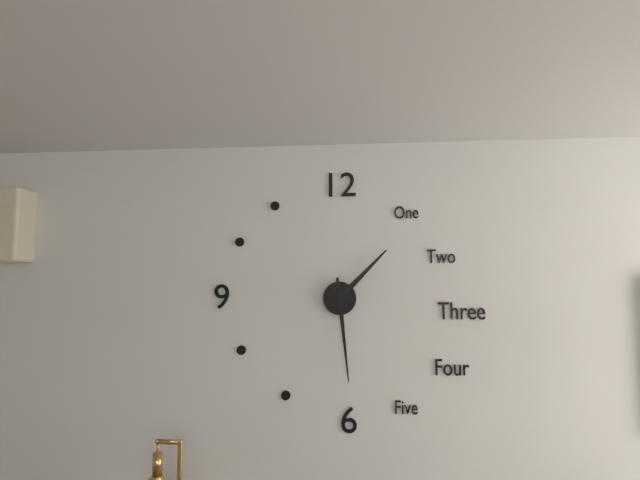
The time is 1,29
